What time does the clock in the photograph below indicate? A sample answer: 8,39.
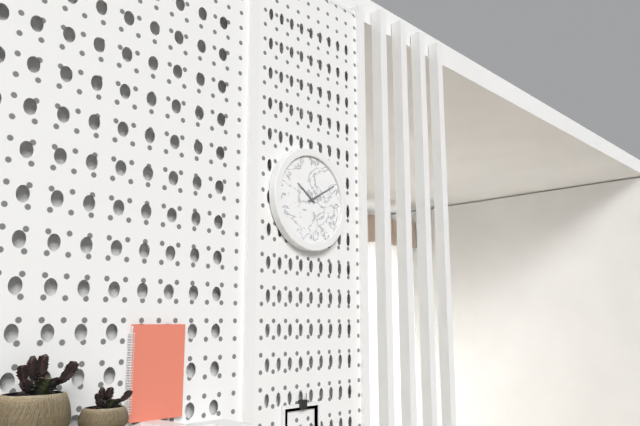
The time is 10,10
